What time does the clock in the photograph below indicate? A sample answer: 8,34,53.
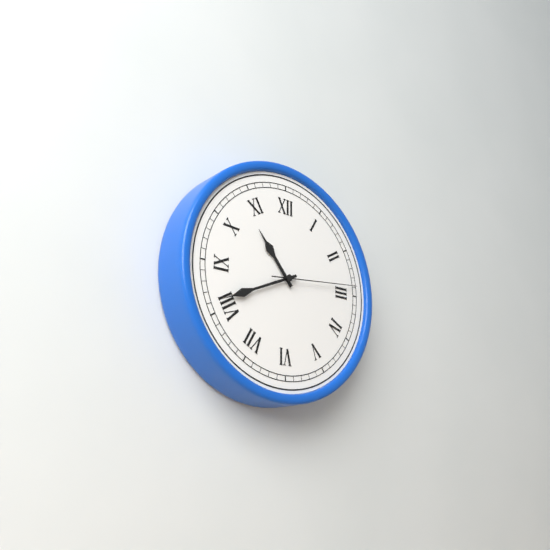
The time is 10,41,14
